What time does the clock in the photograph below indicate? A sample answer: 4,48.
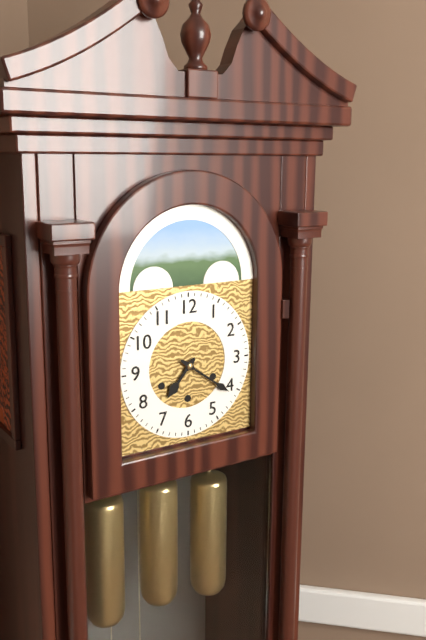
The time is 7,21
